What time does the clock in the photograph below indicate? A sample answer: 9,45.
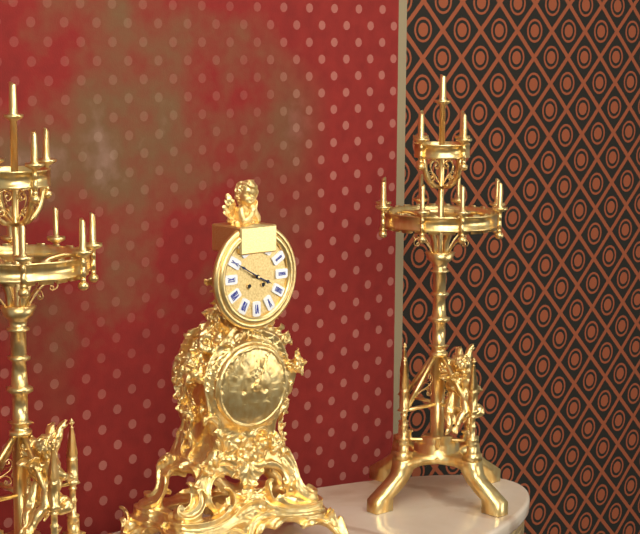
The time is 3,50
